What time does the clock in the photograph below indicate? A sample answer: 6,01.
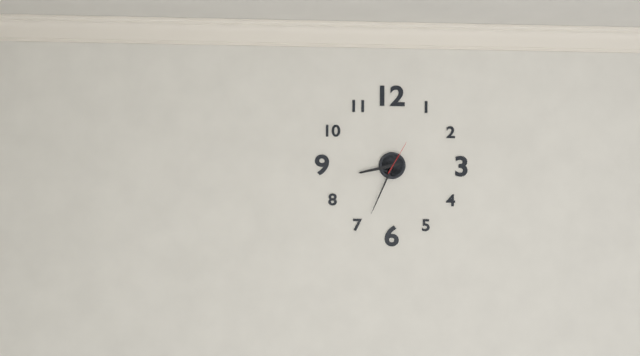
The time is 8,34
